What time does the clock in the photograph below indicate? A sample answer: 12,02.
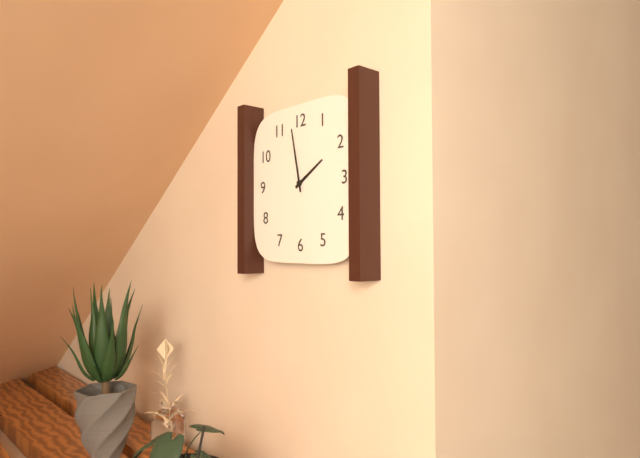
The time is 1,58
